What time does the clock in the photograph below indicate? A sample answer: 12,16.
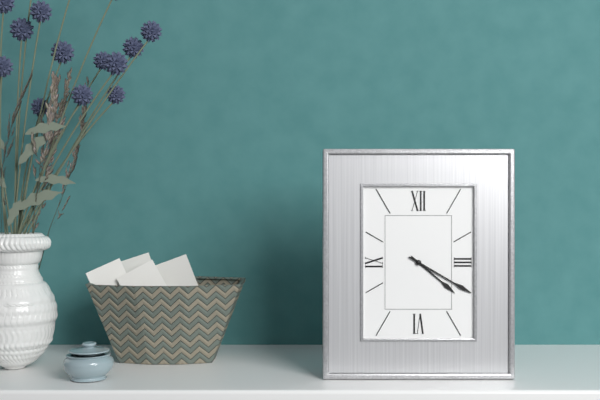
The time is 4,20
